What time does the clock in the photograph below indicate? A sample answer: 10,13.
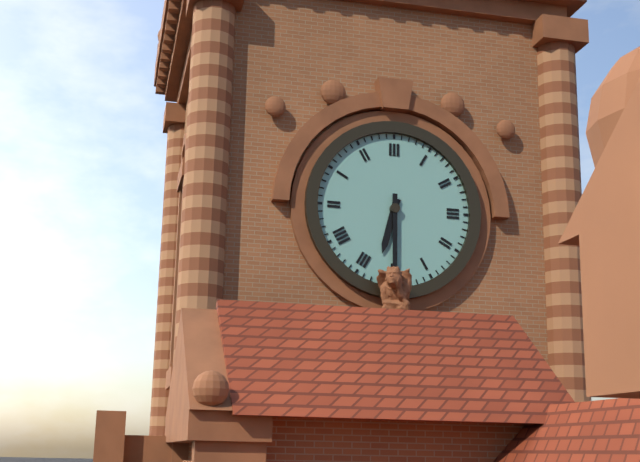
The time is 6,30
